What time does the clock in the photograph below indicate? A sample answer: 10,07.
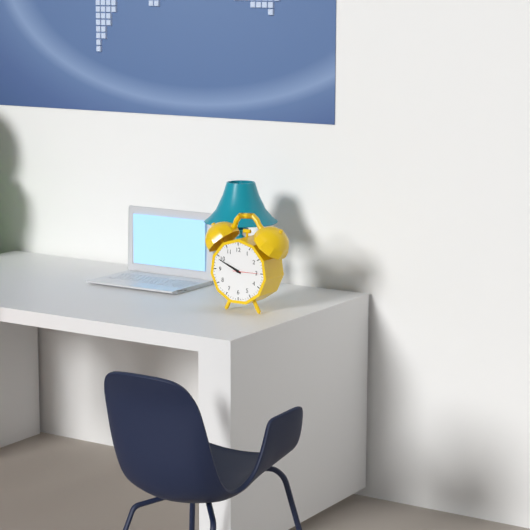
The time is 9,49
